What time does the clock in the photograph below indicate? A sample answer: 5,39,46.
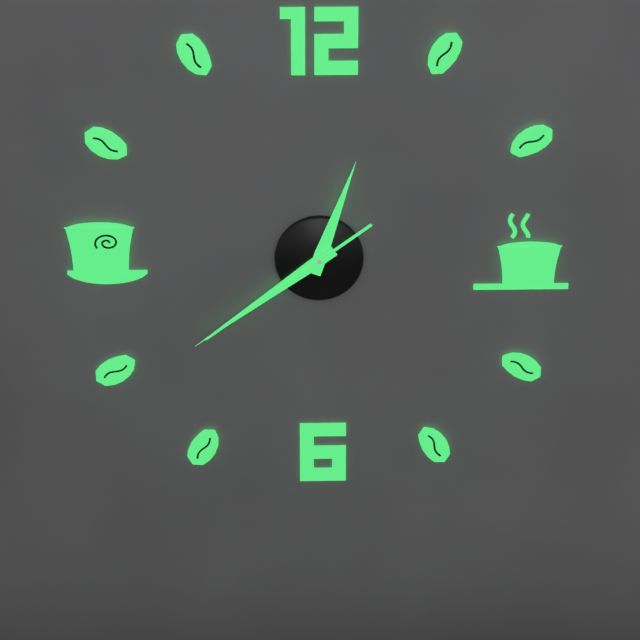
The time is 12,39,39
